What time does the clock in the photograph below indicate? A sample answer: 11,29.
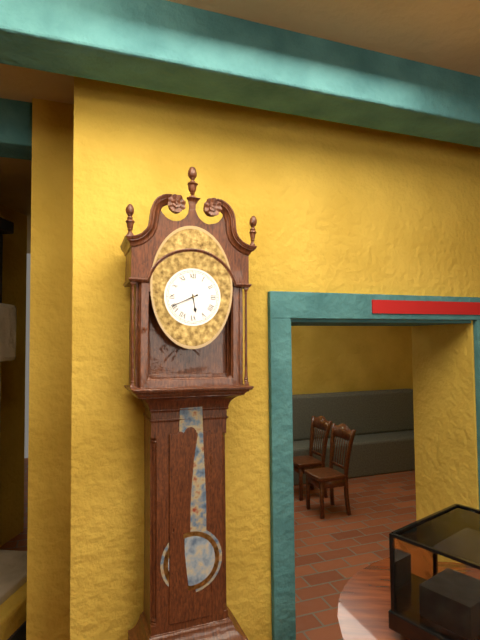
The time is 5,41
